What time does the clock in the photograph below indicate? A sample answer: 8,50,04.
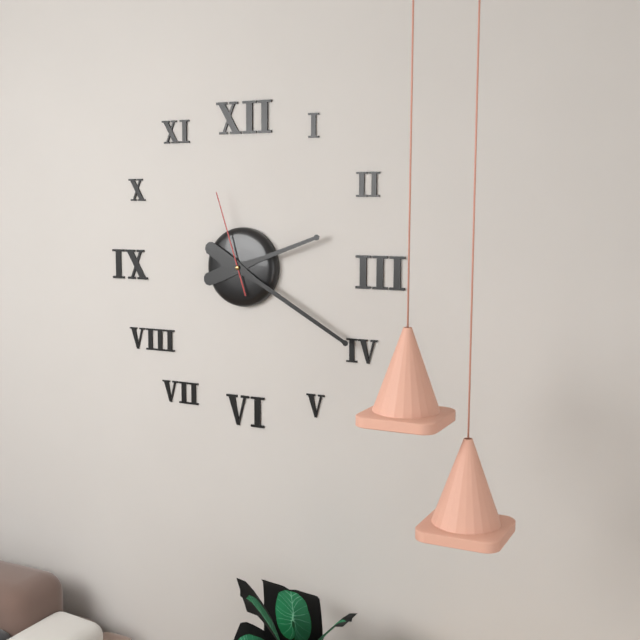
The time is 2,20,57
